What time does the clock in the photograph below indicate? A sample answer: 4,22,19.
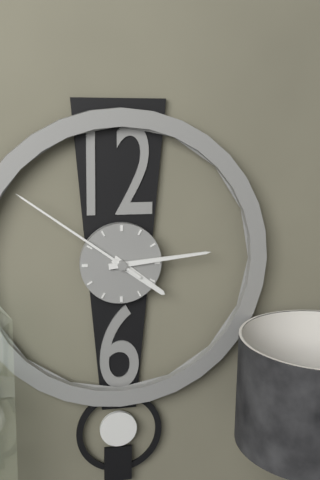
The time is 4,14,51
